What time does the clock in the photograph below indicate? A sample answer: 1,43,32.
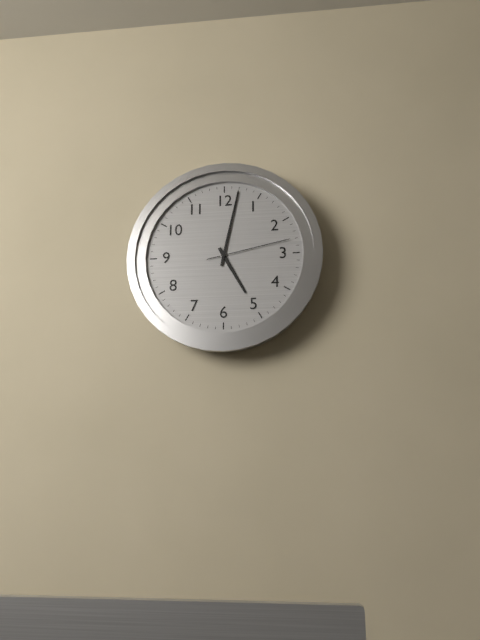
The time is 5,02,13
